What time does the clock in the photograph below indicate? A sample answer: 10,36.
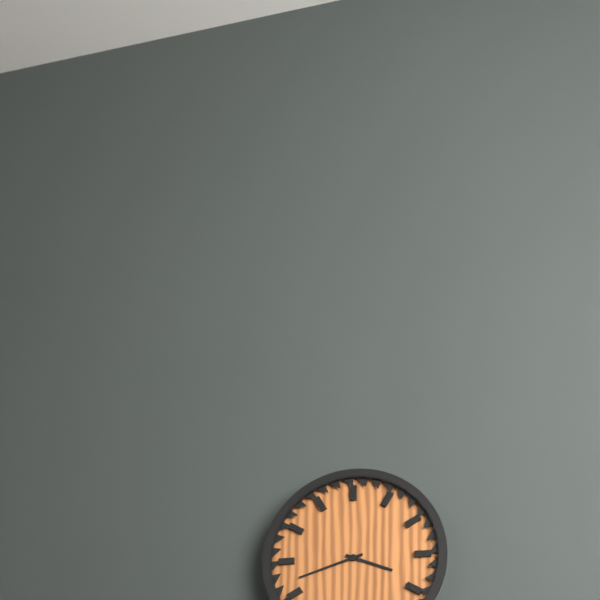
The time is 3,42
